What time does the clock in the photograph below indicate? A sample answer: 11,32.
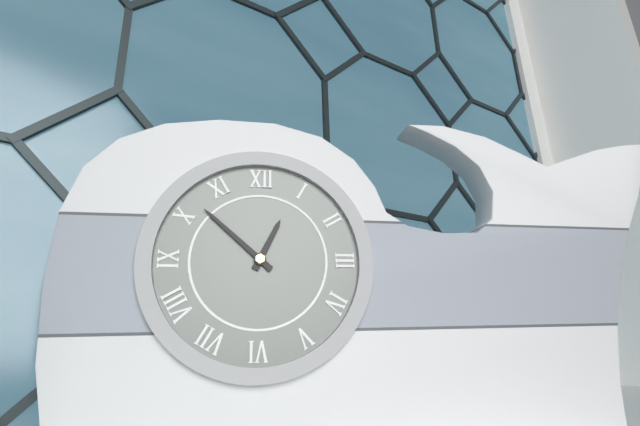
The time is 12,52
